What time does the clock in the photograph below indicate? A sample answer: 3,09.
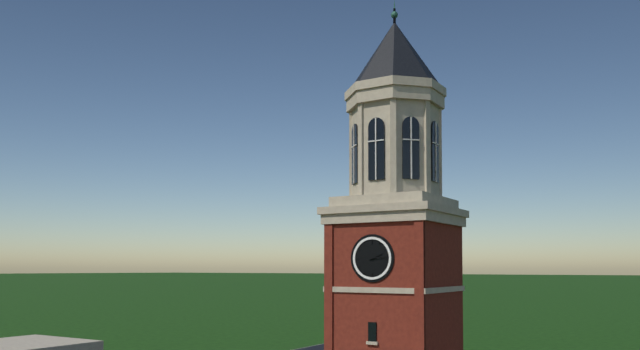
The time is 2,14
